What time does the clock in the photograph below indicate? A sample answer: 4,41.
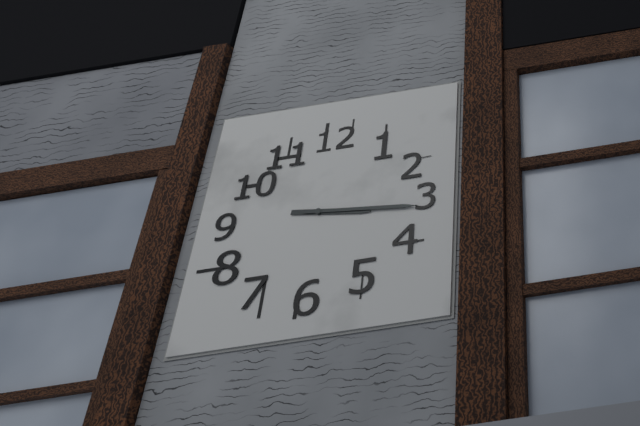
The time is 3,16
